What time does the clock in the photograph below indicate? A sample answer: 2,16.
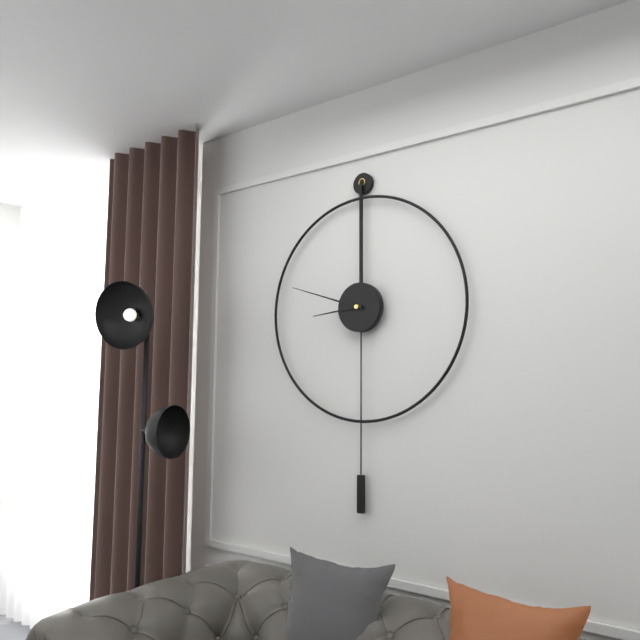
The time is 8,48
